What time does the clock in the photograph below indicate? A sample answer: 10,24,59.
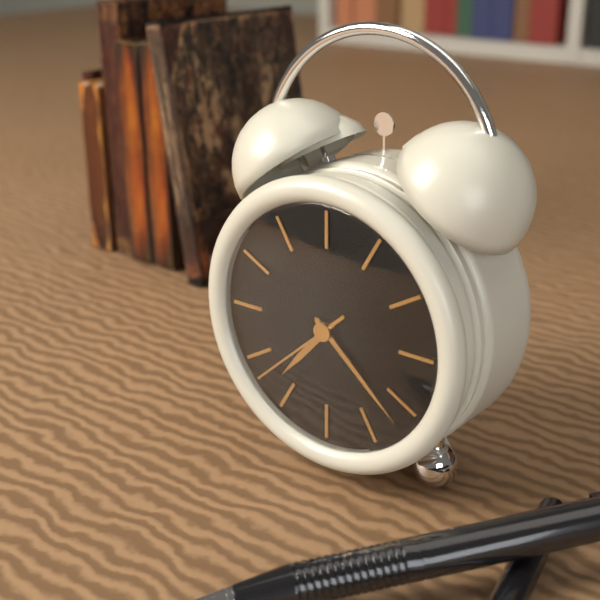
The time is 7,22,38
